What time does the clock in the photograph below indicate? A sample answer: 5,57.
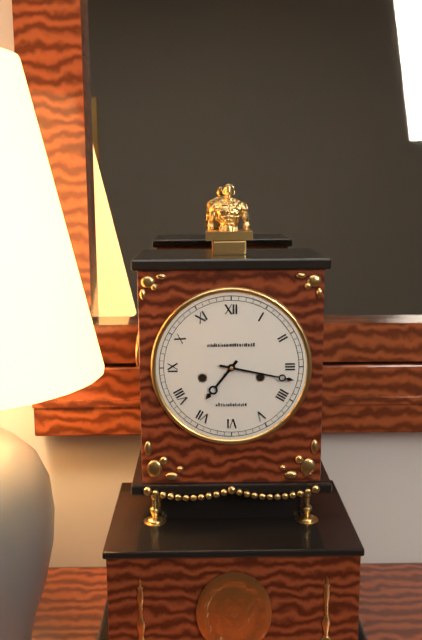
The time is 7,17
